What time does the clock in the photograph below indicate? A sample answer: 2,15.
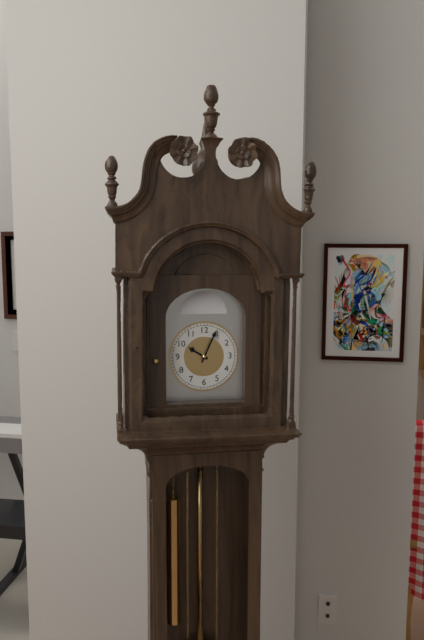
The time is 10,04
